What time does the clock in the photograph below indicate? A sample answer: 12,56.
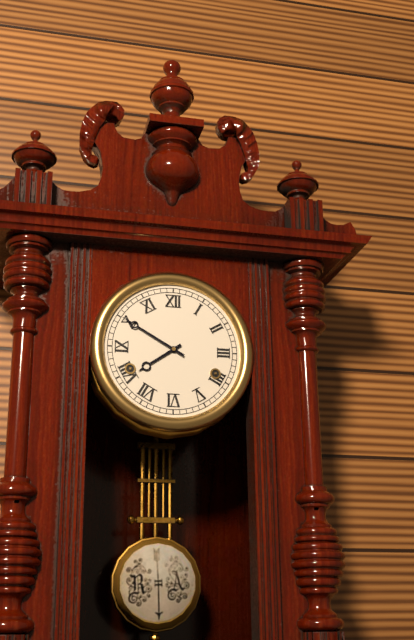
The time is 7,50
